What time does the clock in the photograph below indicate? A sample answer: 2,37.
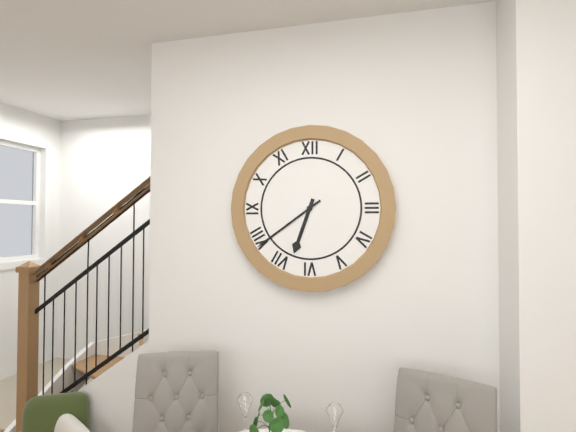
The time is 6,39
